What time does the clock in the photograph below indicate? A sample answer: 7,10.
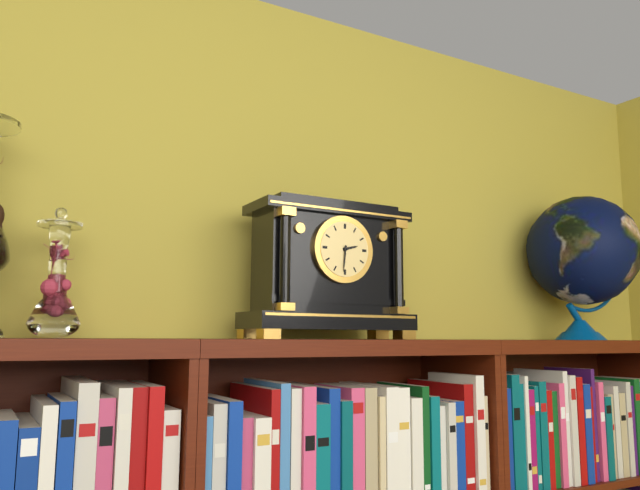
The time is 2,31
